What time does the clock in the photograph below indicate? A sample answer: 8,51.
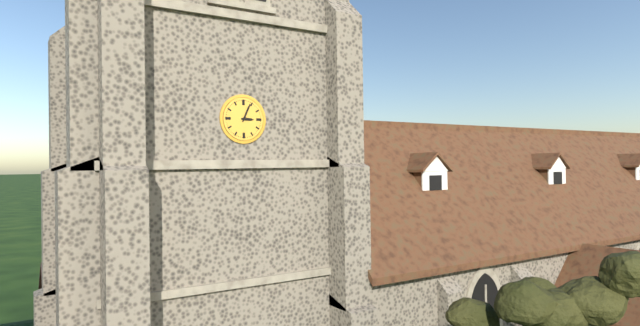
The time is 3,04
